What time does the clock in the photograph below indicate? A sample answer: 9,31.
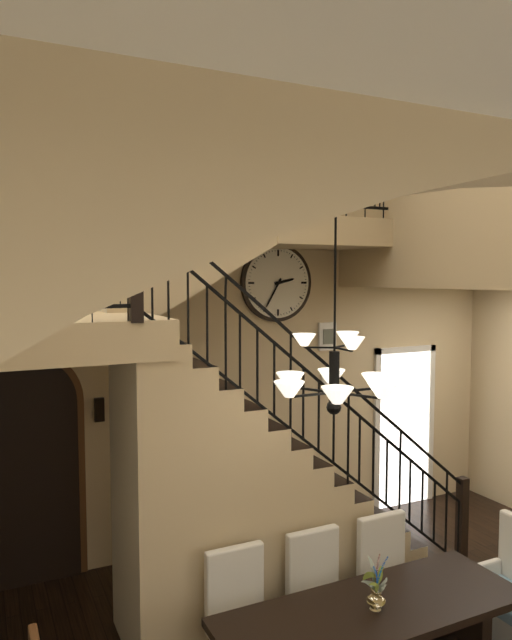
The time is 2,35
